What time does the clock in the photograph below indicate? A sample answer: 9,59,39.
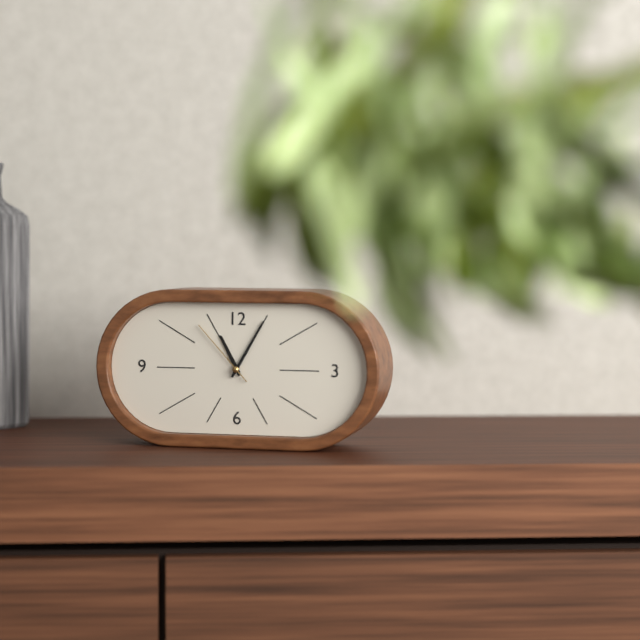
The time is 11,05,53
